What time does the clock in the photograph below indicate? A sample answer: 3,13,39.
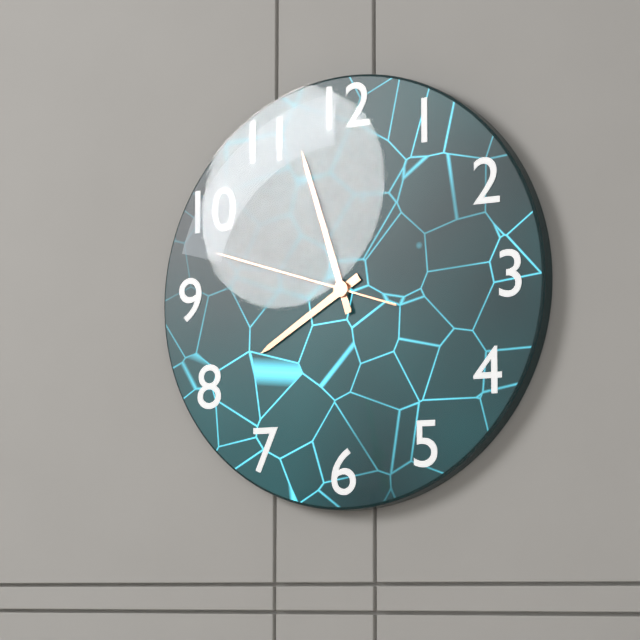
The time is 7,57,48
